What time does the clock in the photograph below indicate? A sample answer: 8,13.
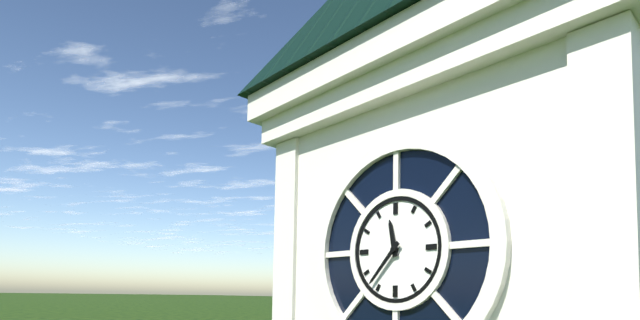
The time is 11,37
